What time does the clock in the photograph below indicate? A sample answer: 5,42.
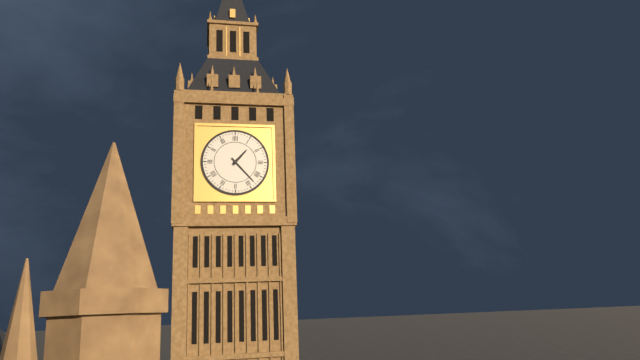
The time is 1,23
